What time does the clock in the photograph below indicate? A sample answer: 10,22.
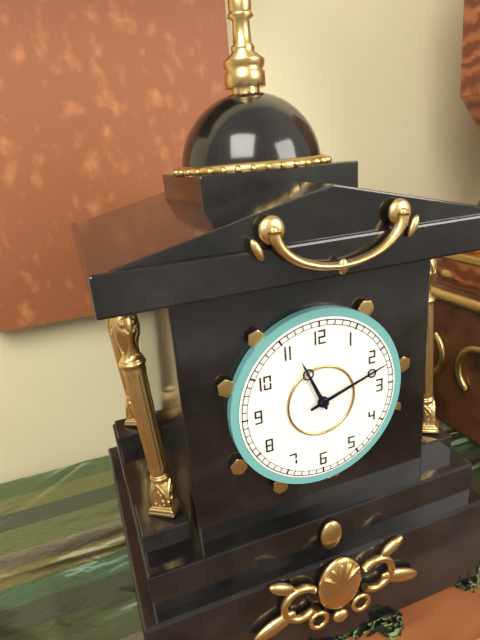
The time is 11,12
